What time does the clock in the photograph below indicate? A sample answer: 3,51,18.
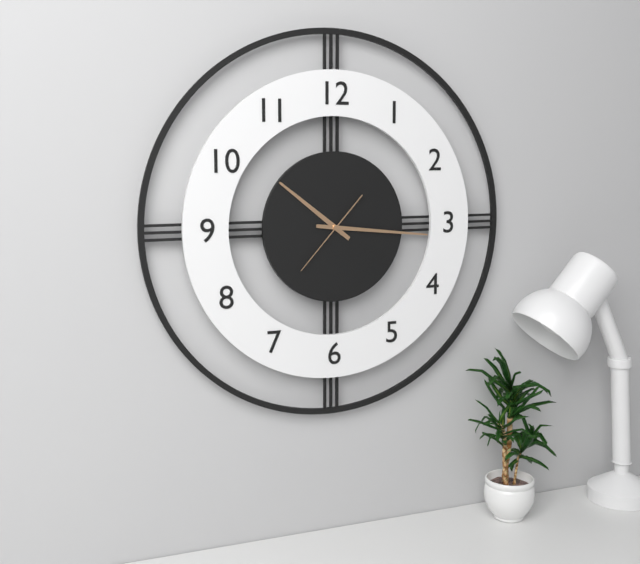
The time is 10,16,37
